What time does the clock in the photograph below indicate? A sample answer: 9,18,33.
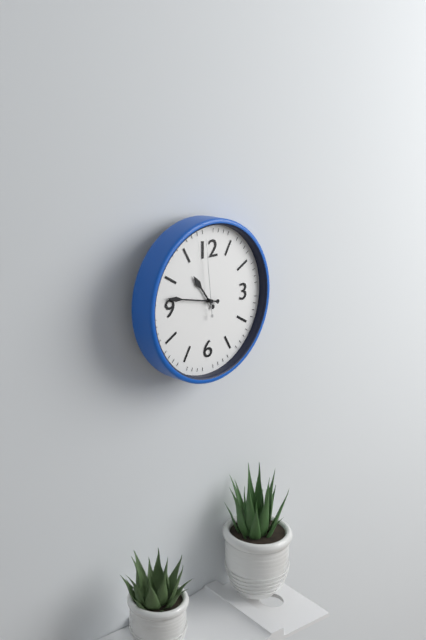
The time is 10,47,59
